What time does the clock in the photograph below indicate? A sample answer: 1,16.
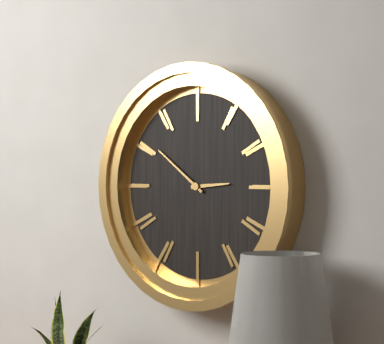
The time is 2,51
